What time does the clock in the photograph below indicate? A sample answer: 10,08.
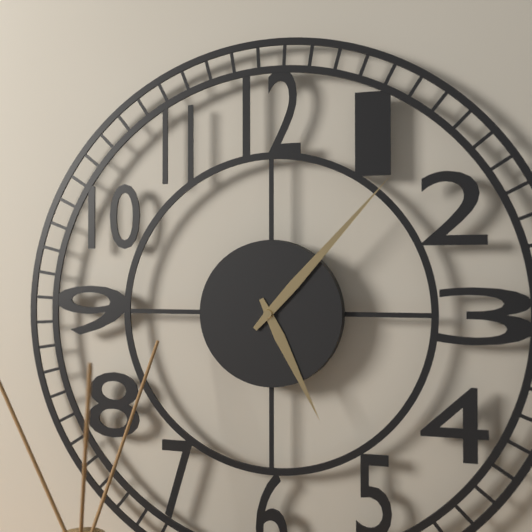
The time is 5,07
